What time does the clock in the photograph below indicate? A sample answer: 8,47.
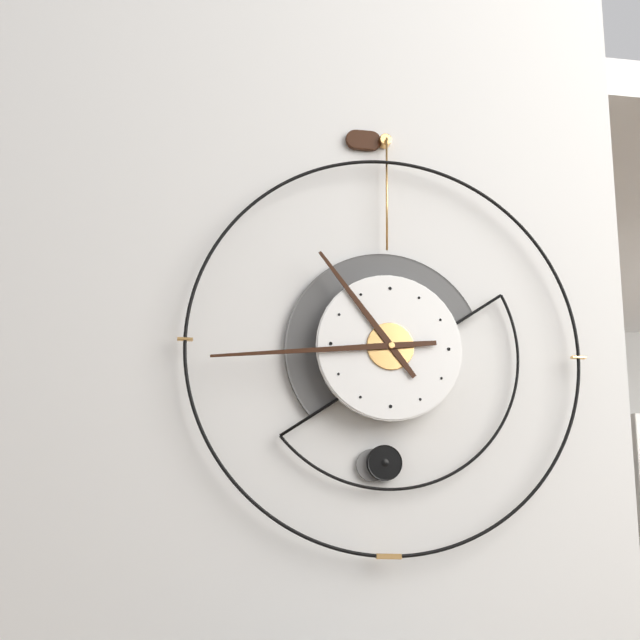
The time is 10,44
